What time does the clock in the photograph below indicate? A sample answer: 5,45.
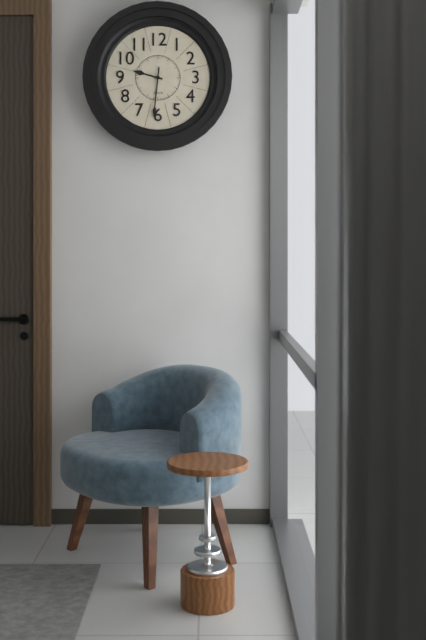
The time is 9,31
